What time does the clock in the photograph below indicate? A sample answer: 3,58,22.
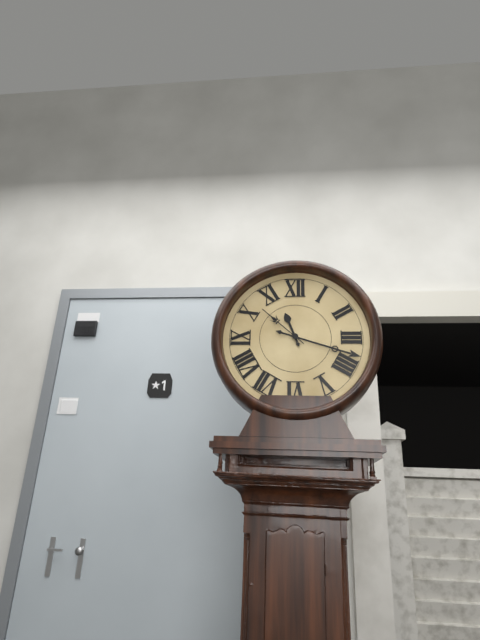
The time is 11,18,52
